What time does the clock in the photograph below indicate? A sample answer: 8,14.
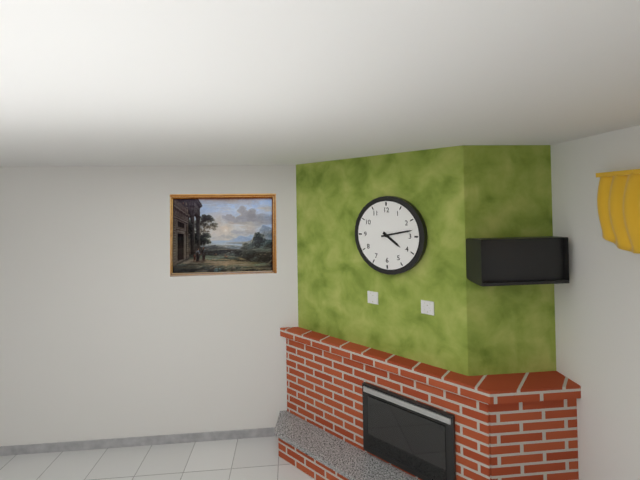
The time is 4,13
